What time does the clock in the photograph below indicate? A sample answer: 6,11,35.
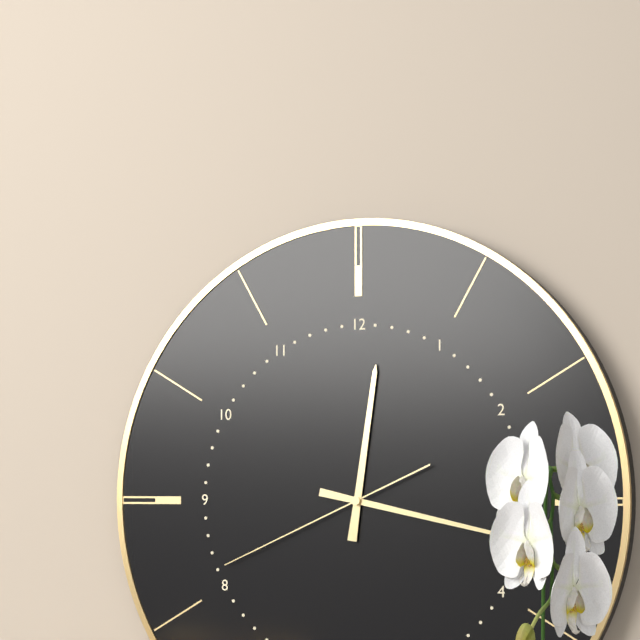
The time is 12,17,41
